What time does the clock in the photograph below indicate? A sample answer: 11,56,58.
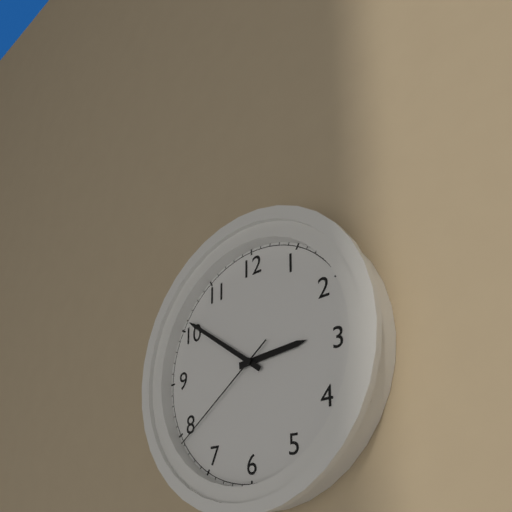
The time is 2,51,39
